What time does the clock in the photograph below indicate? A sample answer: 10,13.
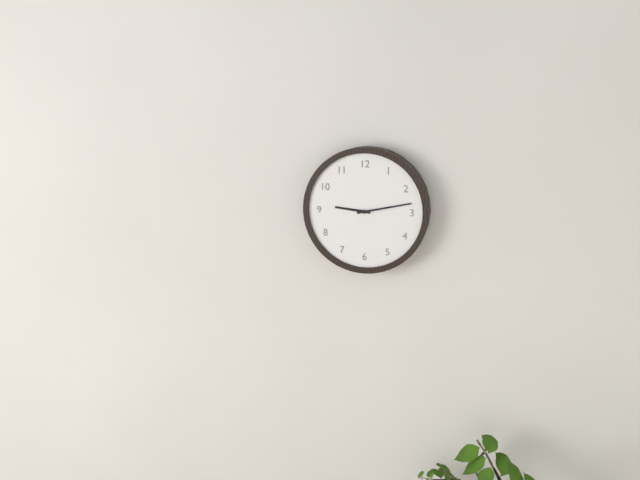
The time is 9,13
